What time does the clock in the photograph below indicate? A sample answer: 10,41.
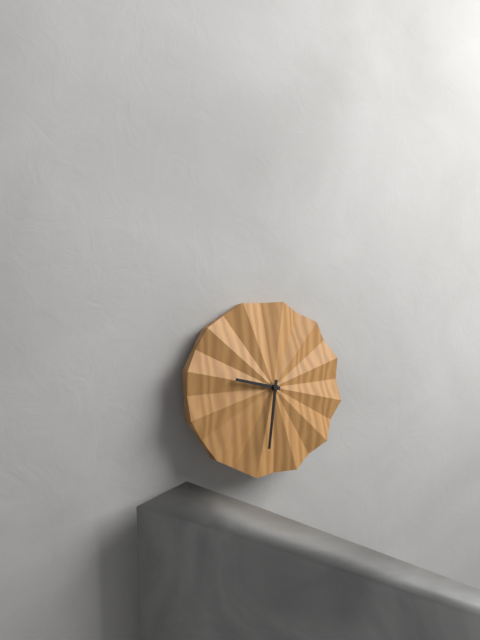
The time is 9,32
